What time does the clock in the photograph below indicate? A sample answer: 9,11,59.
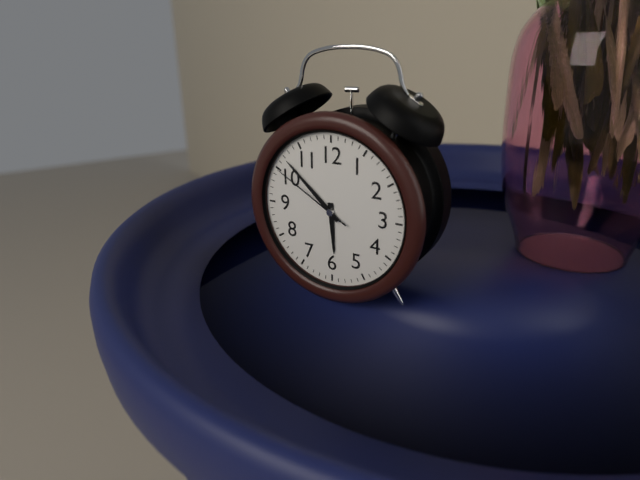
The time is 5,52,50
